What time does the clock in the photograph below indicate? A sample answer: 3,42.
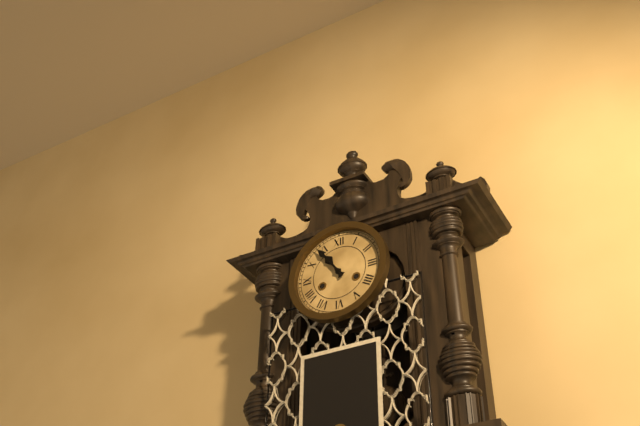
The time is 10,54
